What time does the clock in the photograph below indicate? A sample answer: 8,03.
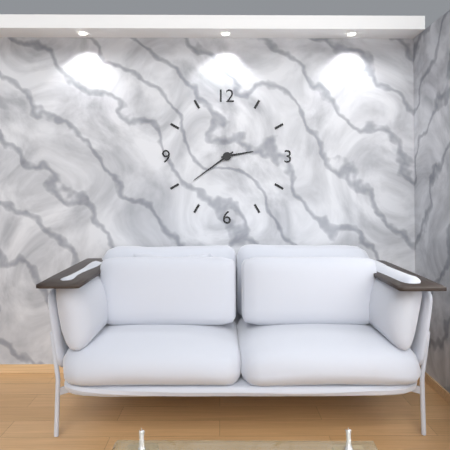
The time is 2,39
